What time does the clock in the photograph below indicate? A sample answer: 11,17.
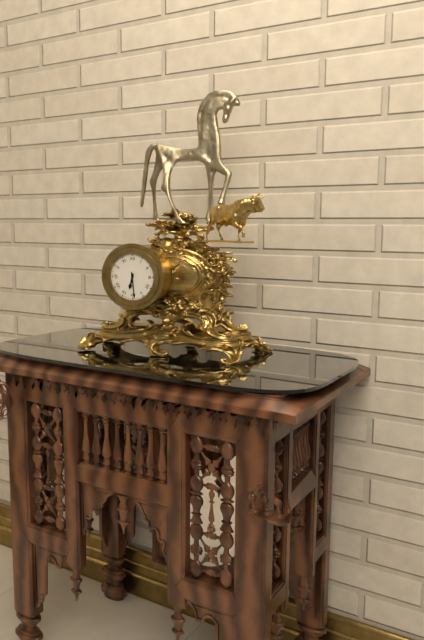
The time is 6,29
